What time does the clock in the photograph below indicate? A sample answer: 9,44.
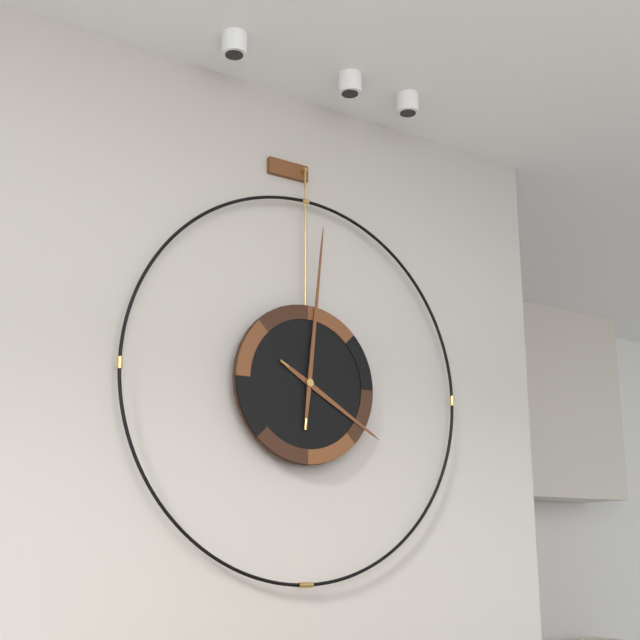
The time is 4,01
